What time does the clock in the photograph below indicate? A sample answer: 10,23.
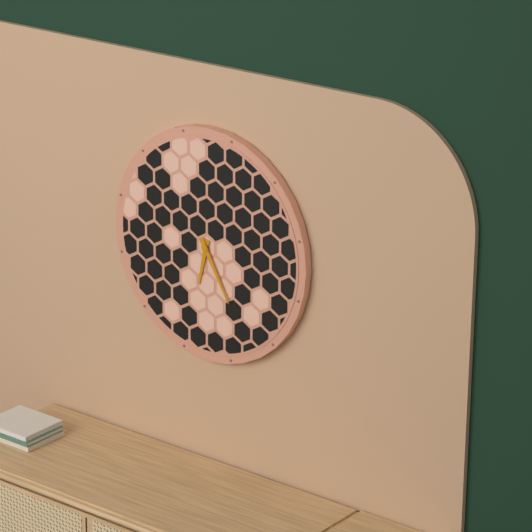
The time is 6,25
